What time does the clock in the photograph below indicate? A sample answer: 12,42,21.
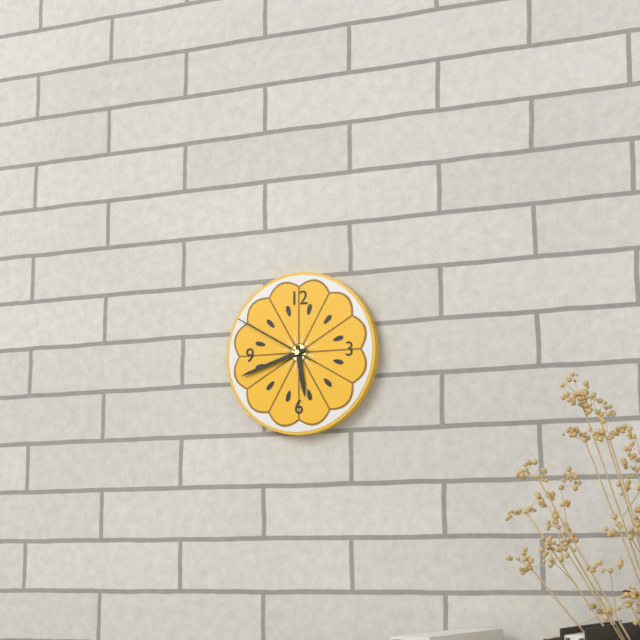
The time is 5,42,50
